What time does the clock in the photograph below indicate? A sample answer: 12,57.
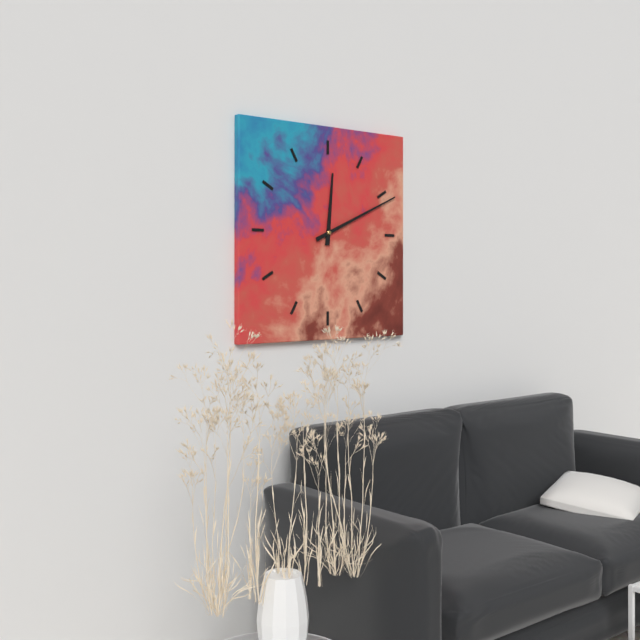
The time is 12,11
